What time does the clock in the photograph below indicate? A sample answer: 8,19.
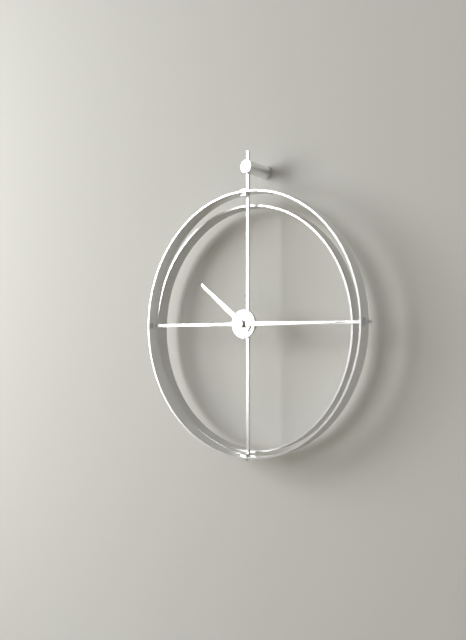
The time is 10,15
